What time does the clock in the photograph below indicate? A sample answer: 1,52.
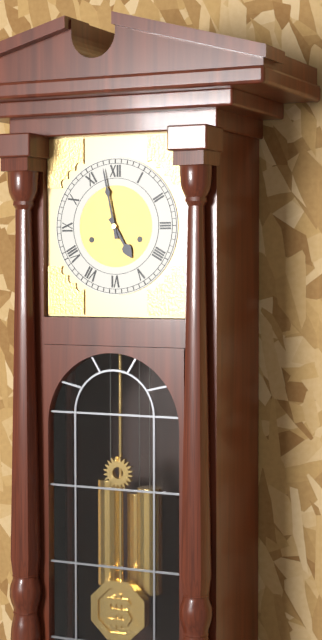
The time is 4,58
